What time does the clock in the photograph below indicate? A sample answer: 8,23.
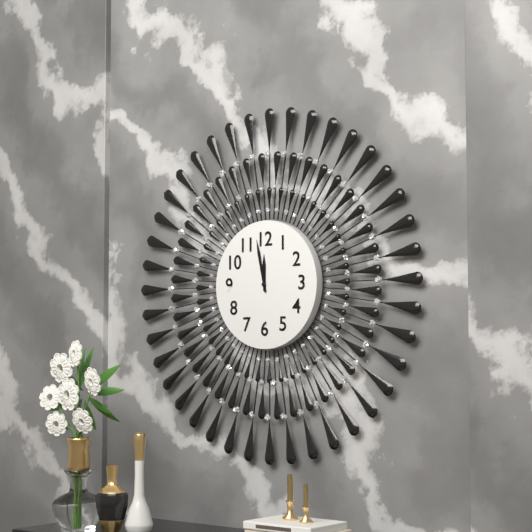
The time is 11,58
